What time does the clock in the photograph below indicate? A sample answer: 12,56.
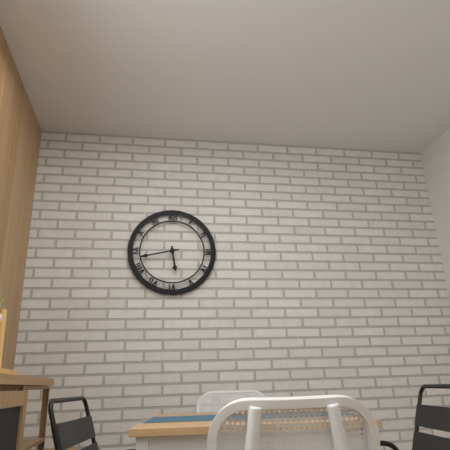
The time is 5,43
